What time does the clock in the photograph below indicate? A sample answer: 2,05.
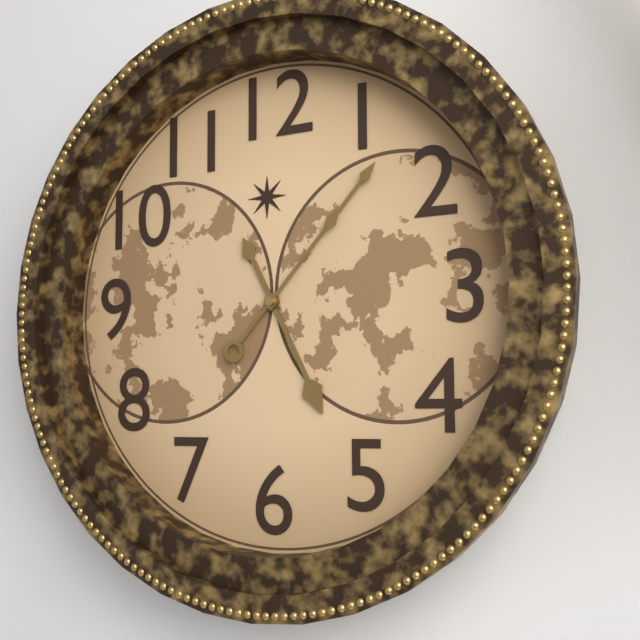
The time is 5,07
